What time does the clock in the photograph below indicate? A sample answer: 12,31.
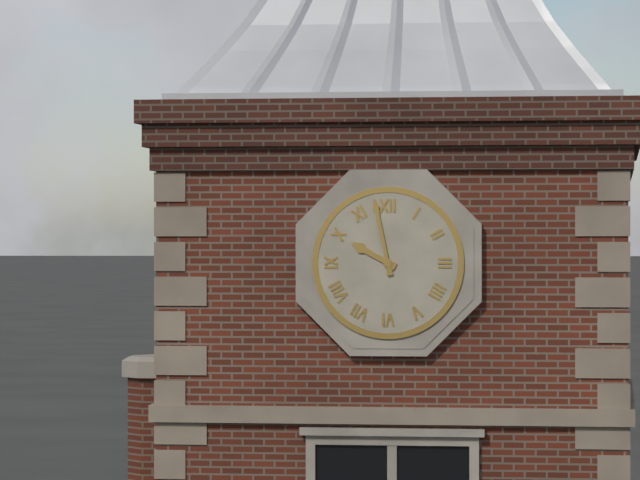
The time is 9,58
